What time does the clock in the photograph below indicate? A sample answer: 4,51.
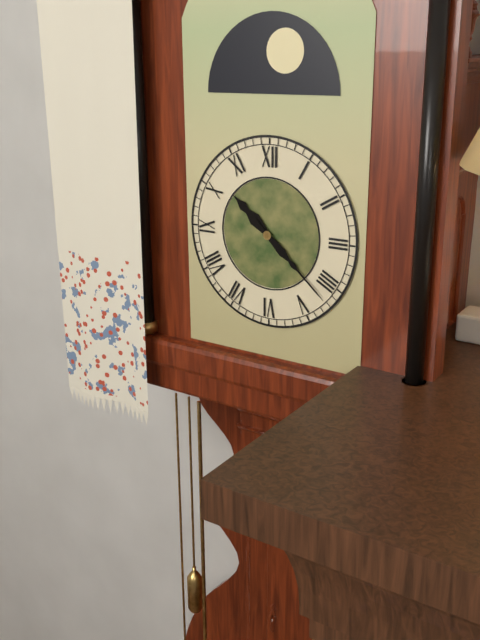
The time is 10,22
